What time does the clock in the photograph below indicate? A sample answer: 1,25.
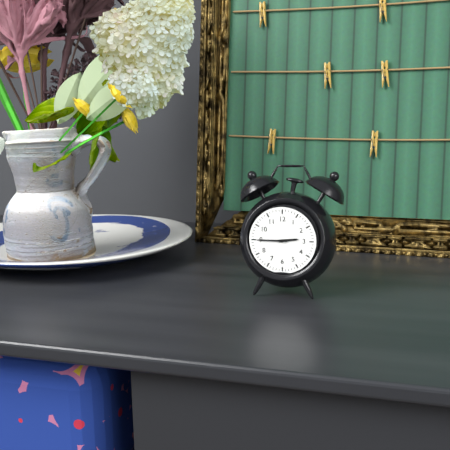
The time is 2,45
